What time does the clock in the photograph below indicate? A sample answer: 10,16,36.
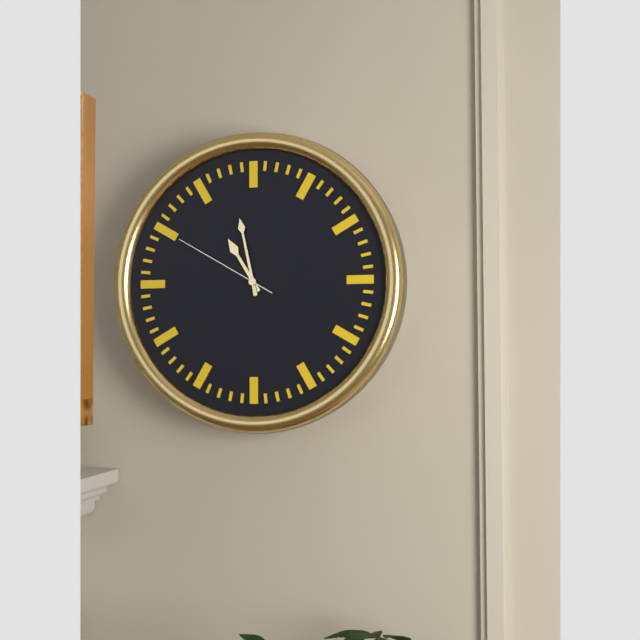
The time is 10,58,50
